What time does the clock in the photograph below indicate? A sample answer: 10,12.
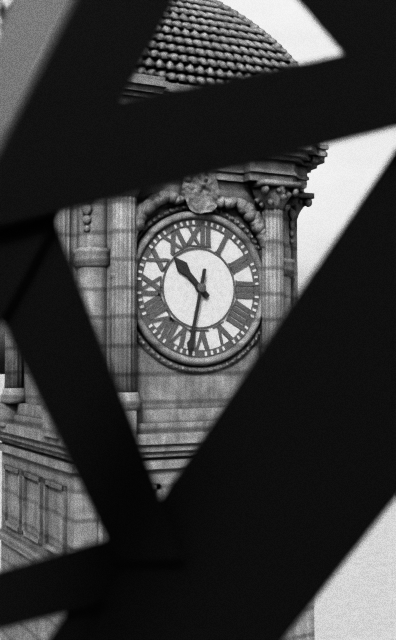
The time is 10,32
